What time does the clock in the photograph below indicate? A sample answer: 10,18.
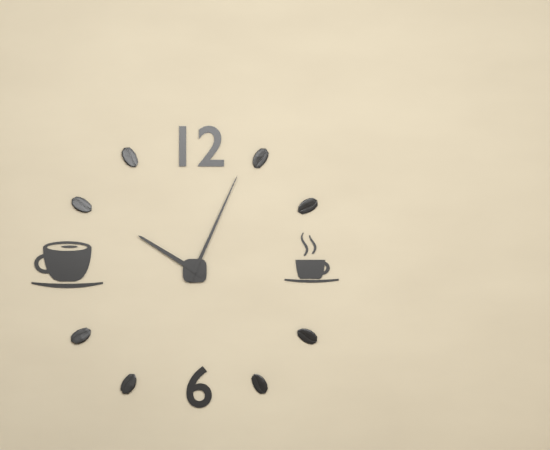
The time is 10,04
